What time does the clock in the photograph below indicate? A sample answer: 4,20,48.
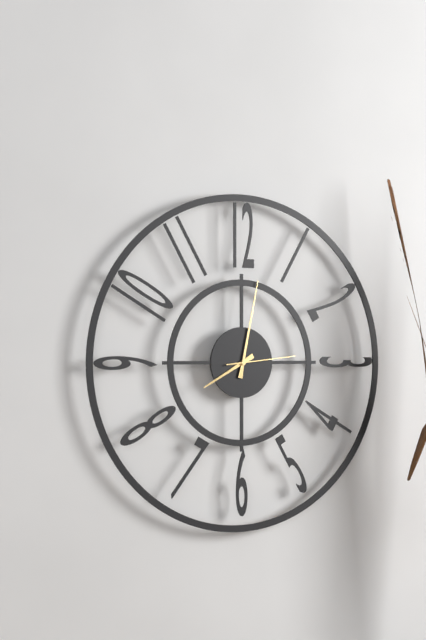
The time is 8,02,14
